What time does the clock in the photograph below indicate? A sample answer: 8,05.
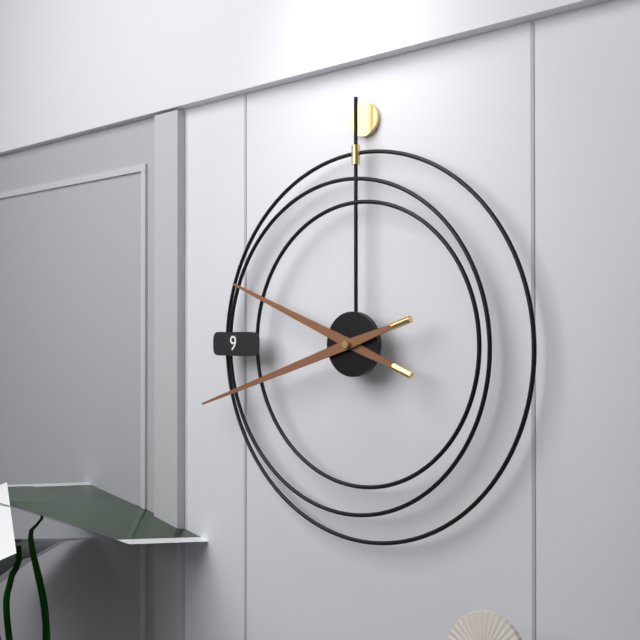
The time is 9,42
